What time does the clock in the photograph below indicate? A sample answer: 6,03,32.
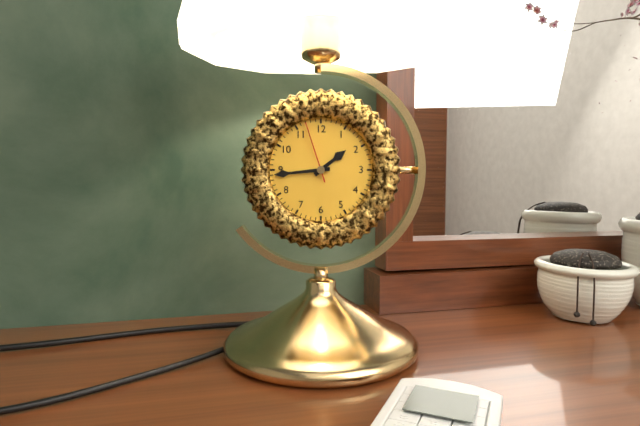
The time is 1,44,57
